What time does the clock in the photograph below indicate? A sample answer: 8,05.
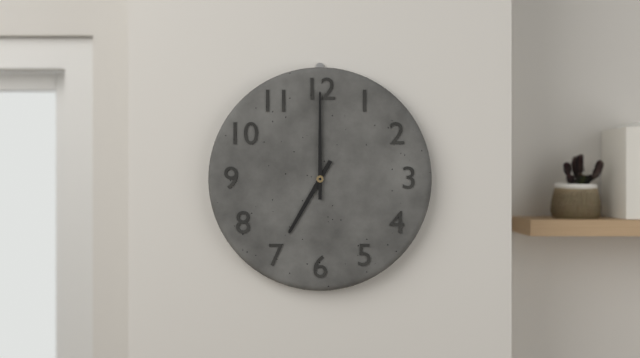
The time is 7,00
